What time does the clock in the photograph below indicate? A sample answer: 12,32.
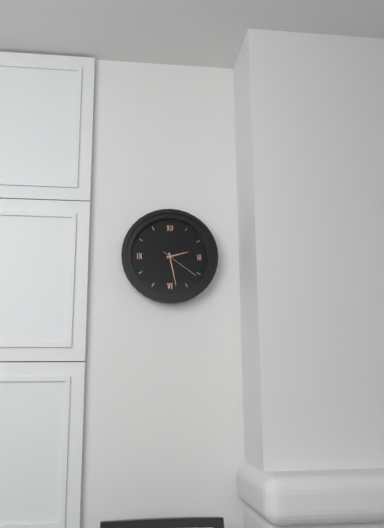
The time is 2,28
